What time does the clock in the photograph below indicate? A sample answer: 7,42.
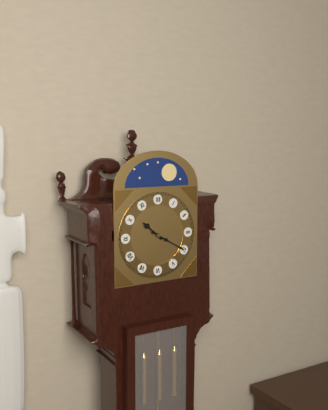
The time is 10,20
